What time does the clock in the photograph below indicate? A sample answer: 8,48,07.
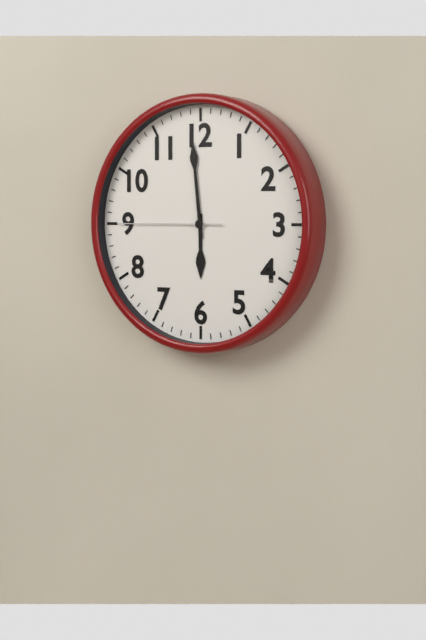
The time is 5,59,45
